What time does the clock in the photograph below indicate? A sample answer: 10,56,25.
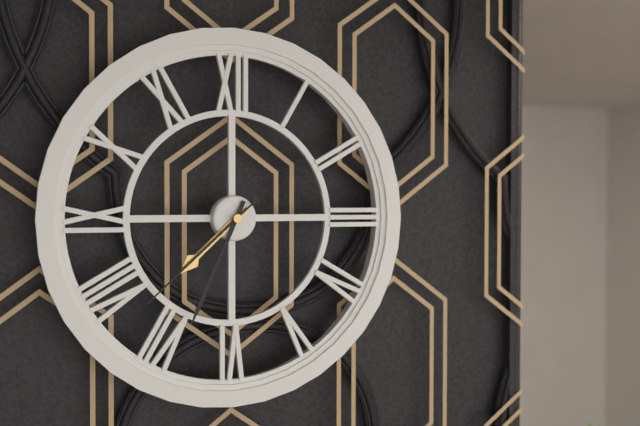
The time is 7,34,38
